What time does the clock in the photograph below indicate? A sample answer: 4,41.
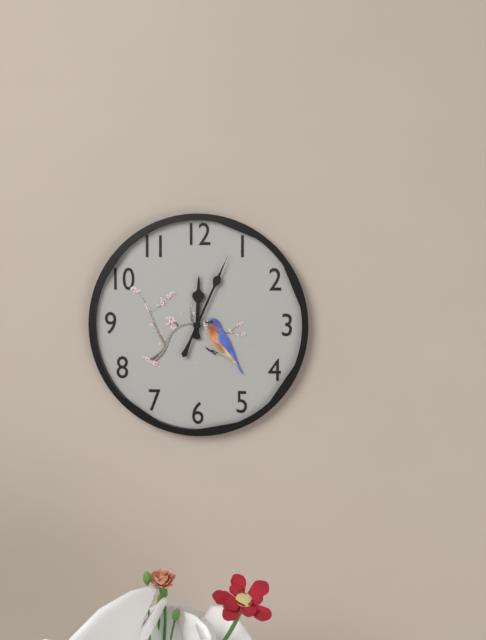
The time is 12,04
